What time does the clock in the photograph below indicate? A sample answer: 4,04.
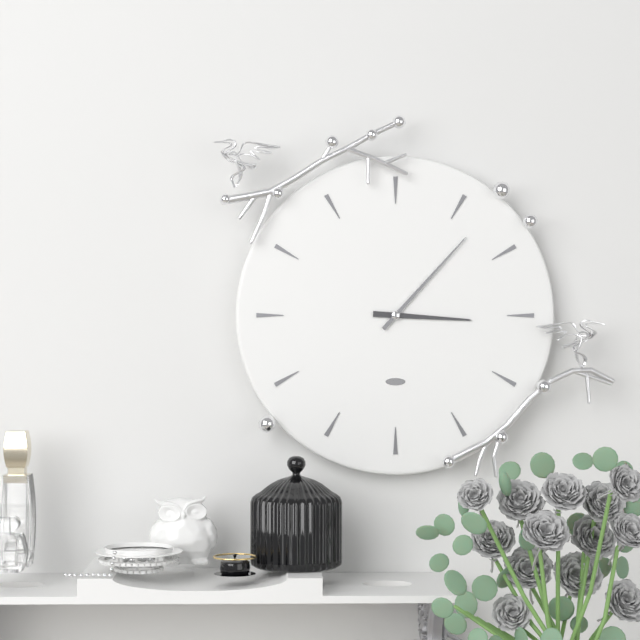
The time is 3,07
